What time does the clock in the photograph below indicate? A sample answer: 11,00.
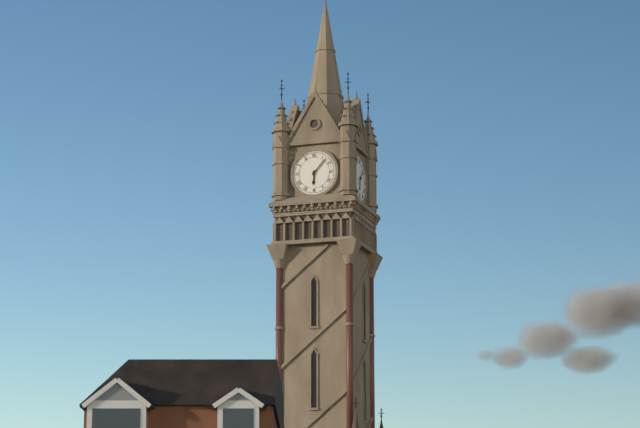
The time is 6,07
